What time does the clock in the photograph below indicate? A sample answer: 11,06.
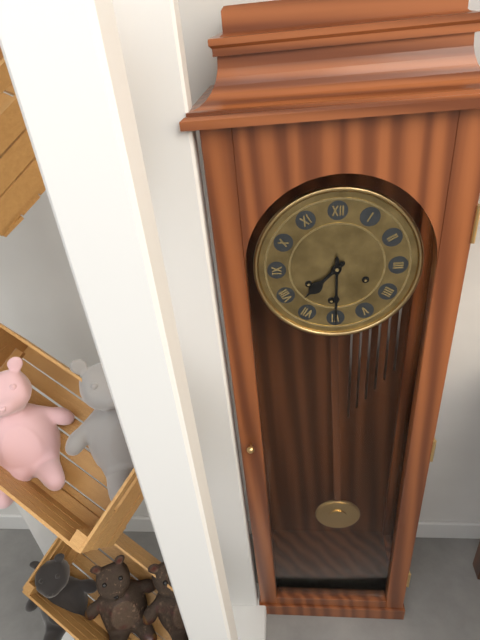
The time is 7,30
